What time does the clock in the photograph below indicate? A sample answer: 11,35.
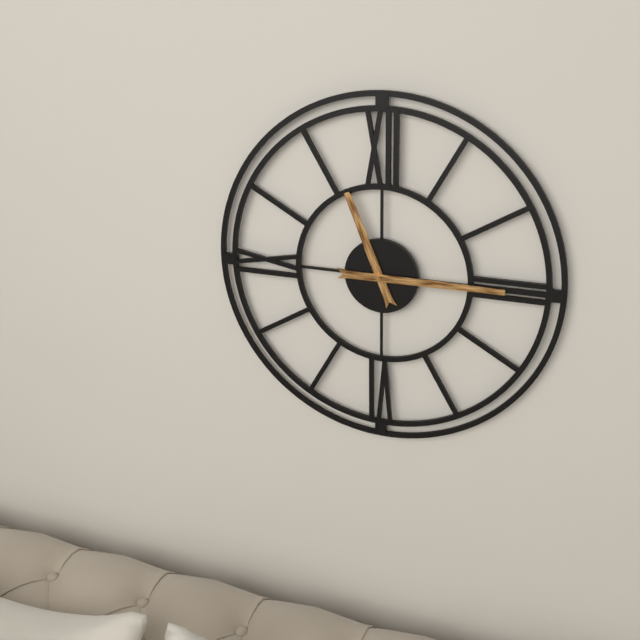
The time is 11,15
